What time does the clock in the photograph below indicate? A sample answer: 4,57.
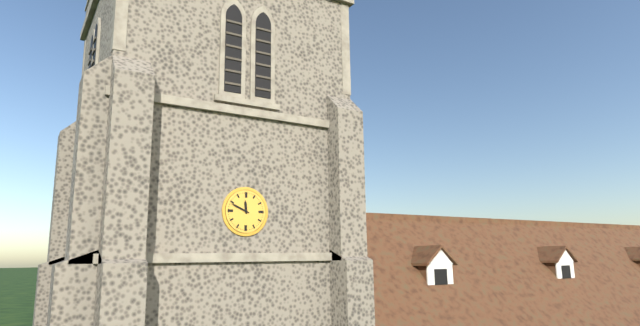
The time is 11,49
